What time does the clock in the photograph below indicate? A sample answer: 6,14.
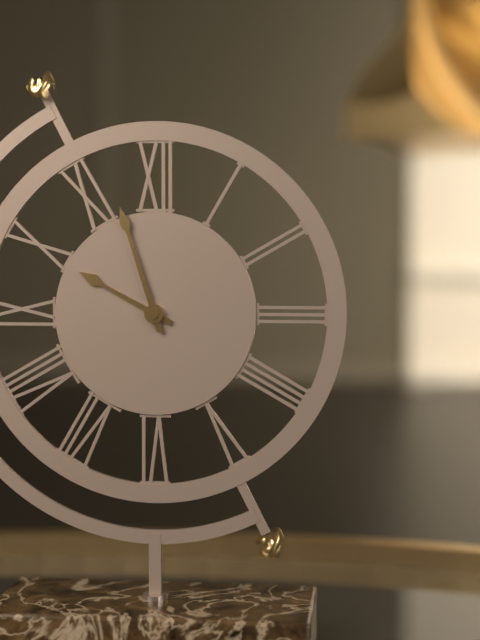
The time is 9,57
